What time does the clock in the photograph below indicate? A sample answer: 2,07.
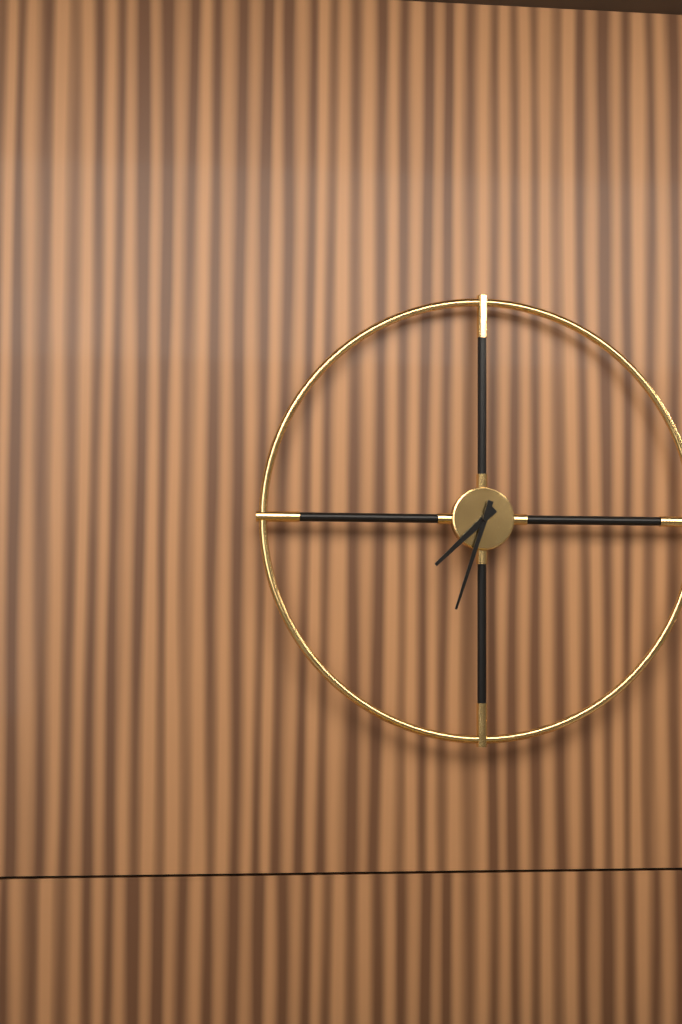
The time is 7,33
